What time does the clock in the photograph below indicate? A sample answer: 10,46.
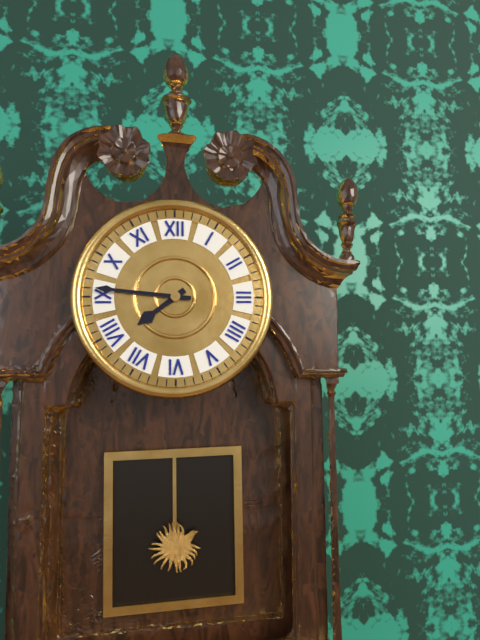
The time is 7,46
